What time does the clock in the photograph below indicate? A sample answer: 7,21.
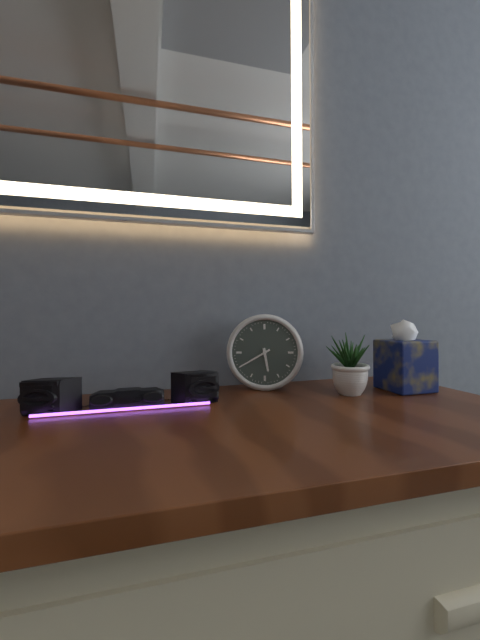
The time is 5,40
